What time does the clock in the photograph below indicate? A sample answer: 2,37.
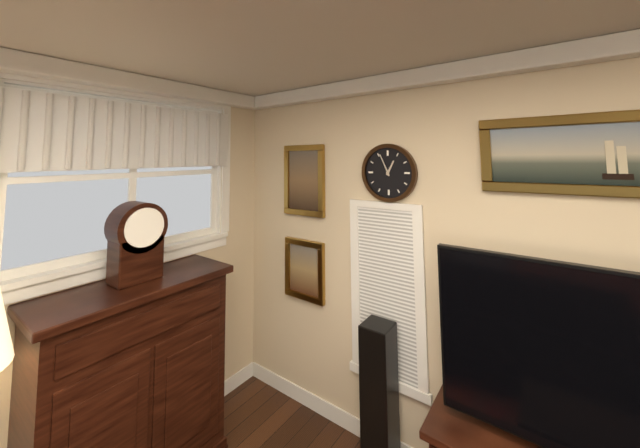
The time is 12,56
